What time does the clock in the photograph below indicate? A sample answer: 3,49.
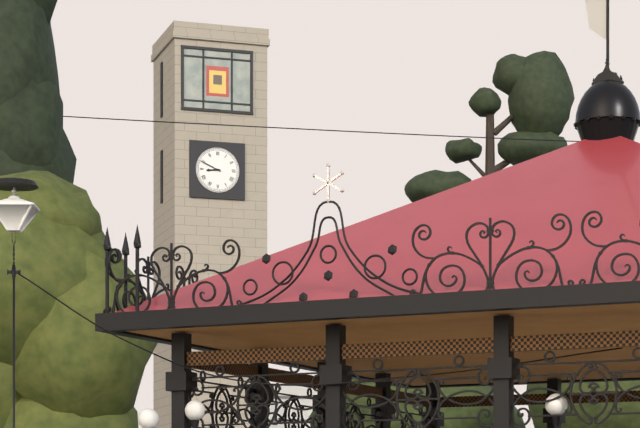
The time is 8,49
